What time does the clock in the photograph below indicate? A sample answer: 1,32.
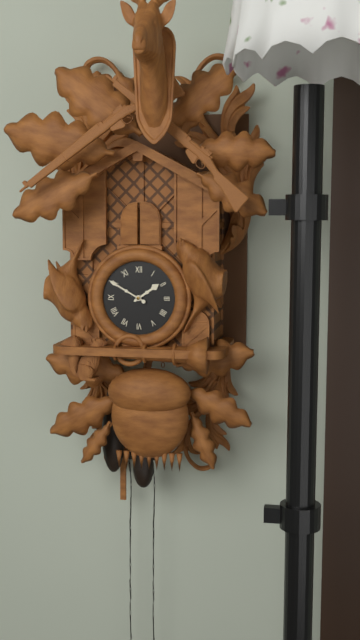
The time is 1,50
